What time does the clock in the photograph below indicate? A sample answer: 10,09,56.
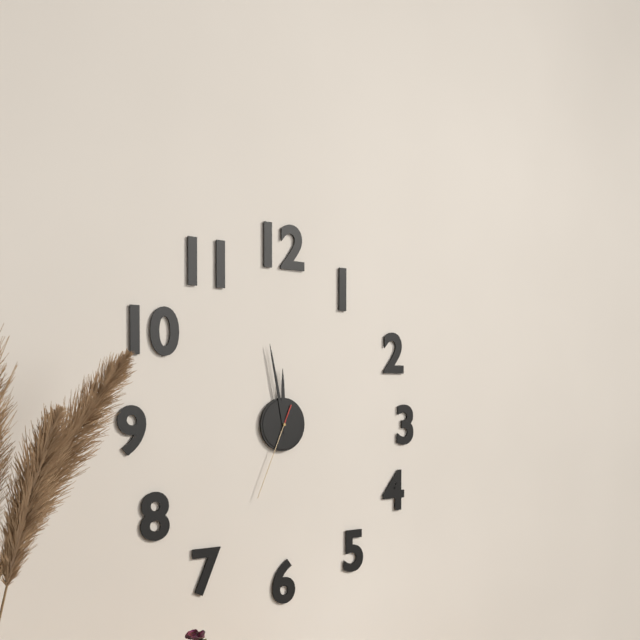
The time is 11,58,34
